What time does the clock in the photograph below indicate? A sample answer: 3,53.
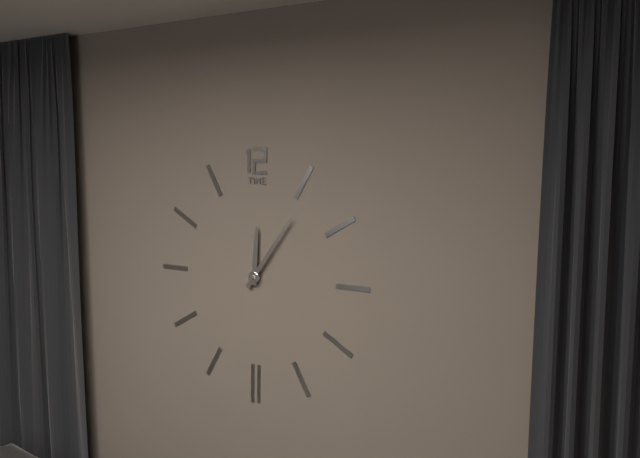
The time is 12,06
